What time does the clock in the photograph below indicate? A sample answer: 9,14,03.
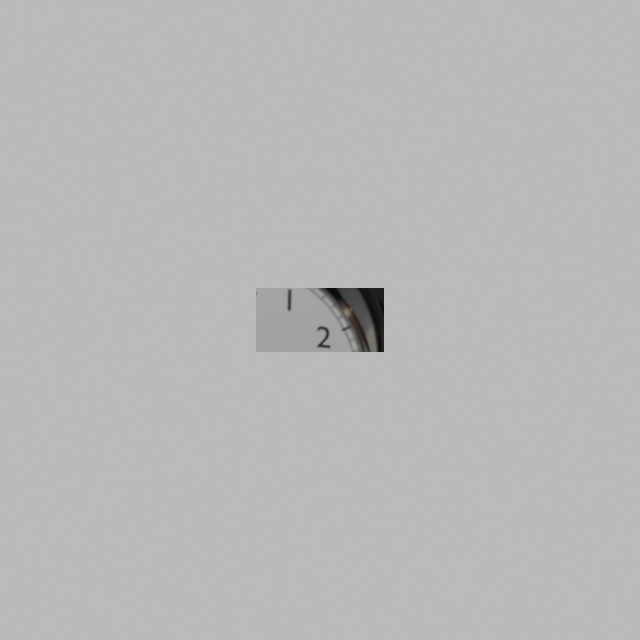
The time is 6,27,56
